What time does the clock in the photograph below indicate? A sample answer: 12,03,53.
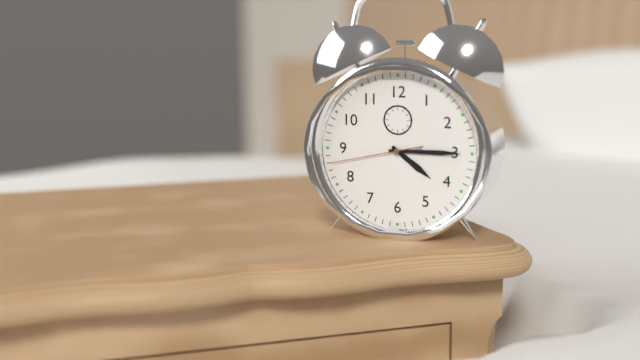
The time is 4,15,43
